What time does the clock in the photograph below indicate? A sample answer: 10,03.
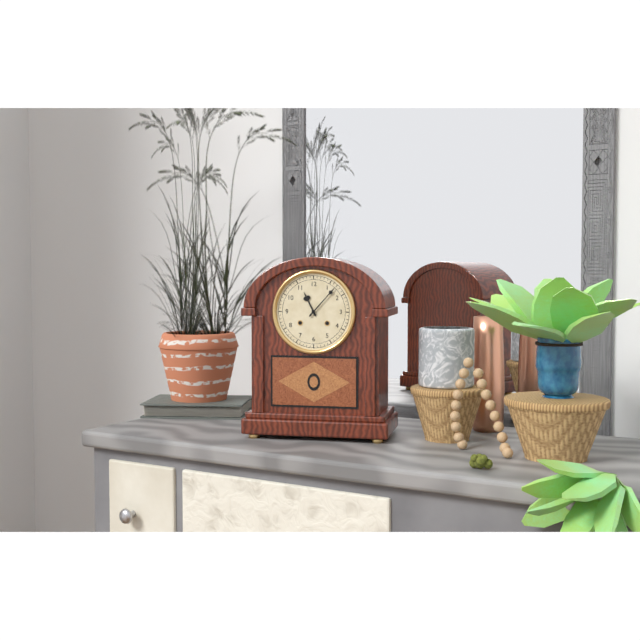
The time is 11,07
